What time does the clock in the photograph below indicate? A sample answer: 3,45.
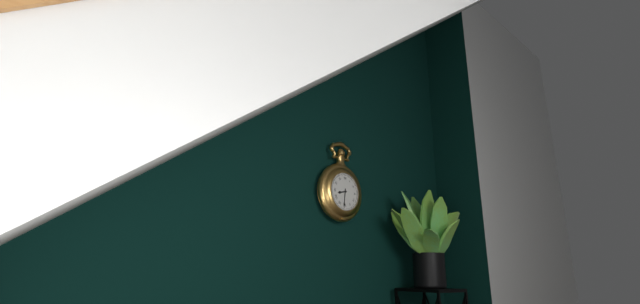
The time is 8,31
